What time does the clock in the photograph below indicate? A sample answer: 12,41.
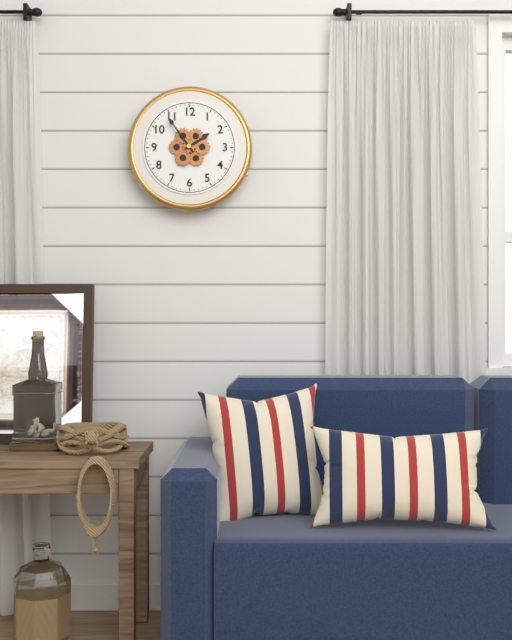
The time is 1,54
